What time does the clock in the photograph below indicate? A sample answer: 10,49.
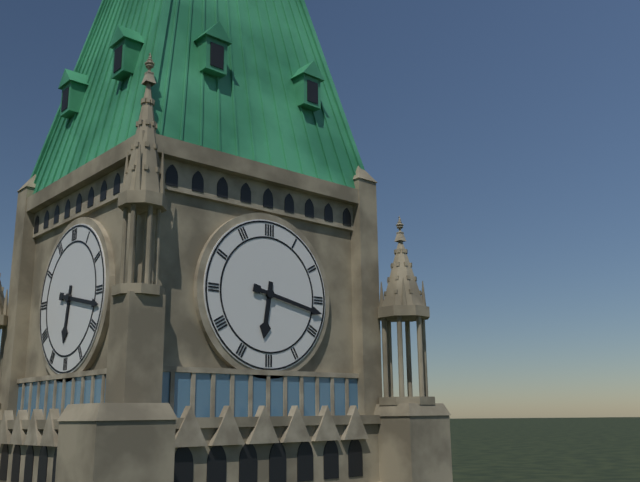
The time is 6,17
